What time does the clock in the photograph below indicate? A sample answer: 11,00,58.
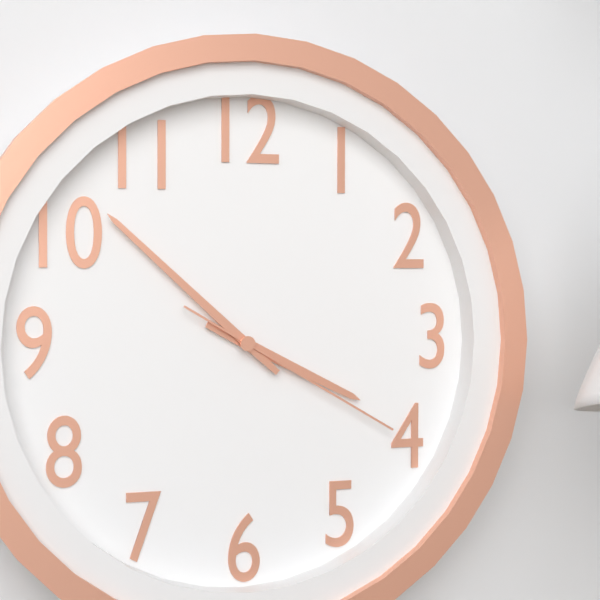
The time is 3,52,20
